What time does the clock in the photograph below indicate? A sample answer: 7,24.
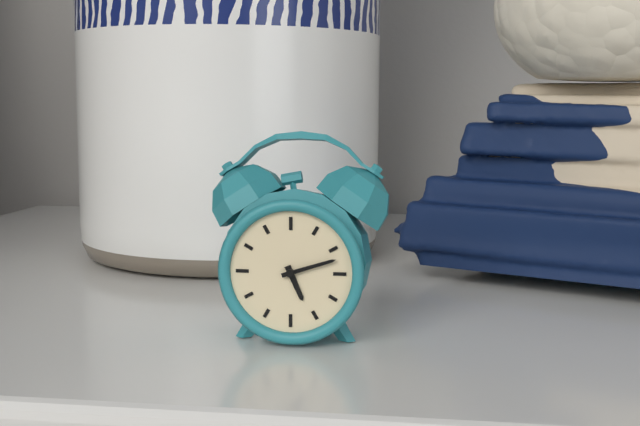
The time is 5,12
